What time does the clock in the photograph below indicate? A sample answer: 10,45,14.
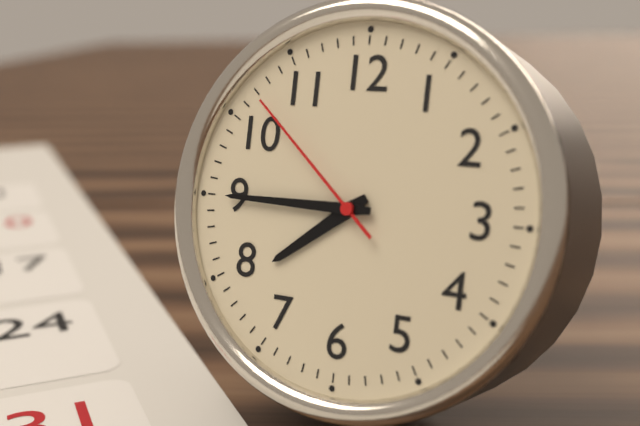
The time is 7,45,52
